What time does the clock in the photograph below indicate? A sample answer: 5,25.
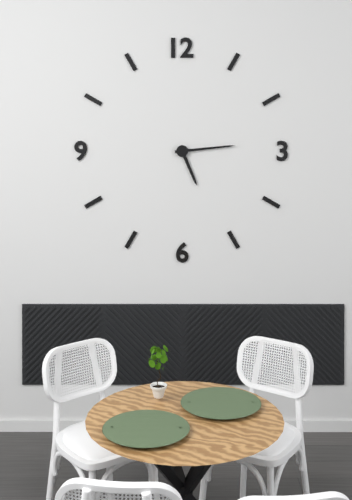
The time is 5,14
